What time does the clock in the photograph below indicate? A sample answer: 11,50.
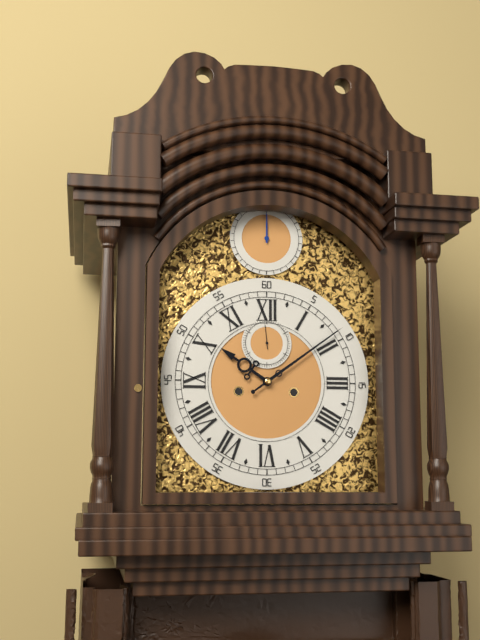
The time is 10,09
